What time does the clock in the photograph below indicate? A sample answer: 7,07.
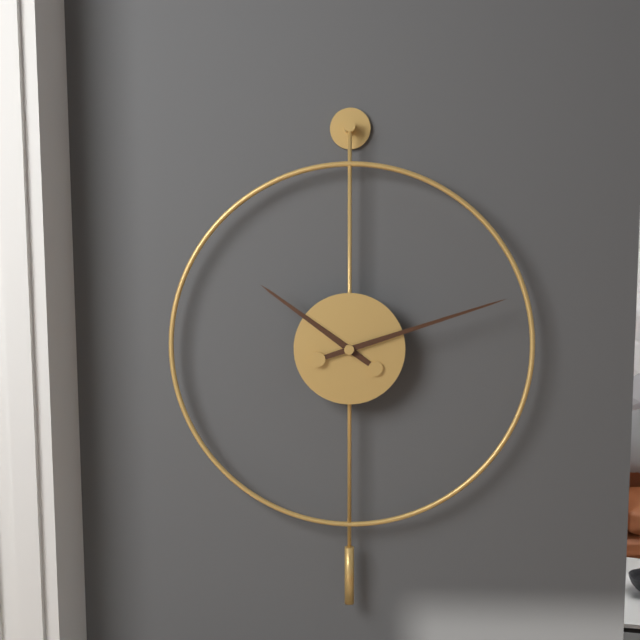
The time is 10,12
